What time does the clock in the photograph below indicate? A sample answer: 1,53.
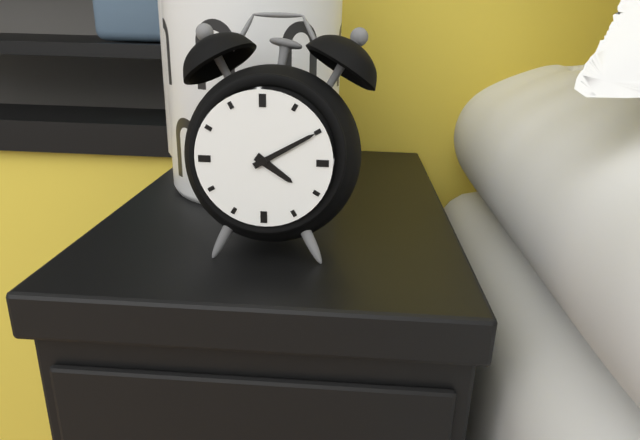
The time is 4,10
